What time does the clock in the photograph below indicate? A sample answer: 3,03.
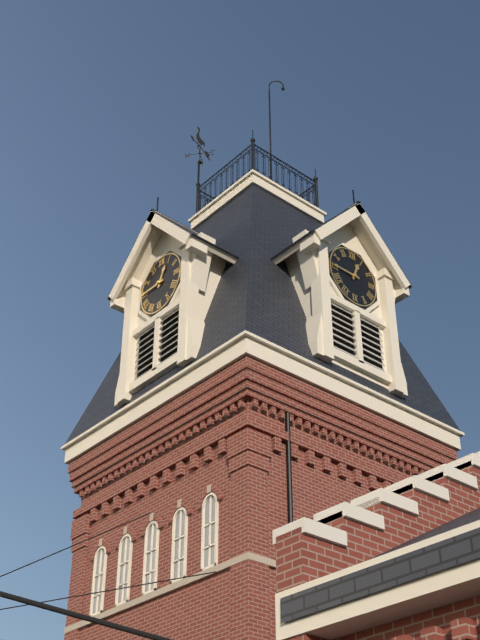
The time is 12,45
